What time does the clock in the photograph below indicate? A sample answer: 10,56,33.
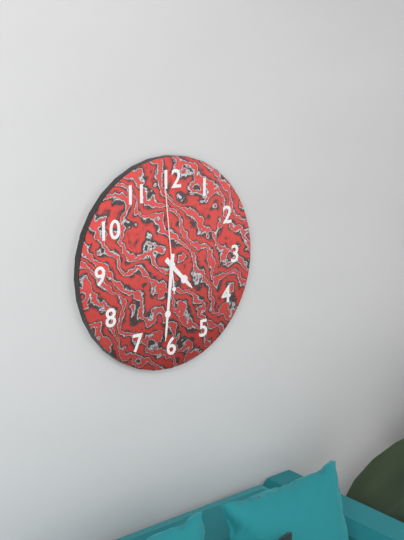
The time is 4,31,59
